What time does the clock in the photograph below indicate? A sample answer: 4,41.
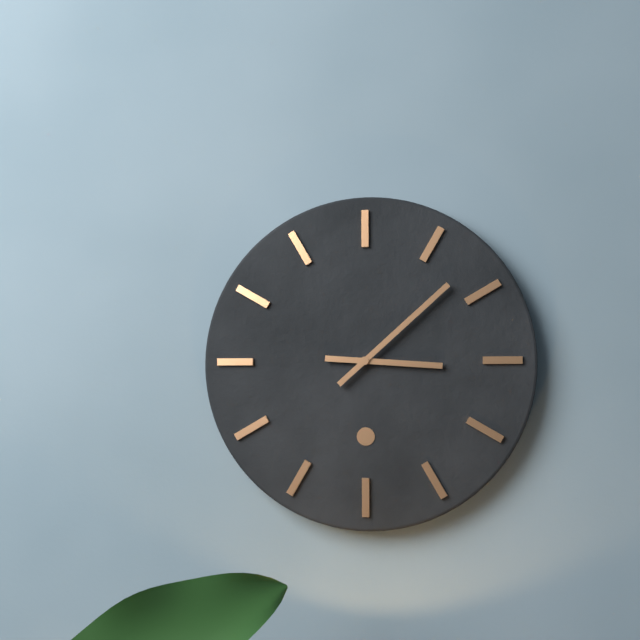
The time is 3,08
